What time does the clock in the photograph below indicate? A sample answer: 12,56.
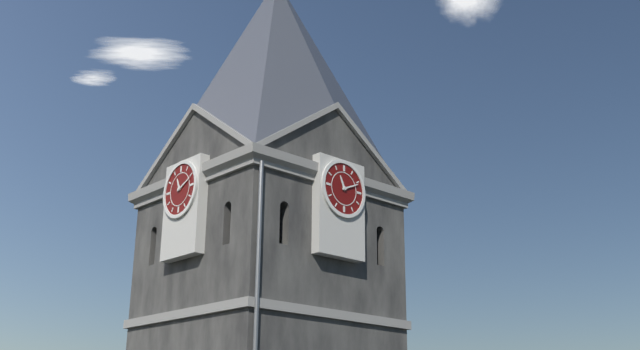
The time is 11,11
